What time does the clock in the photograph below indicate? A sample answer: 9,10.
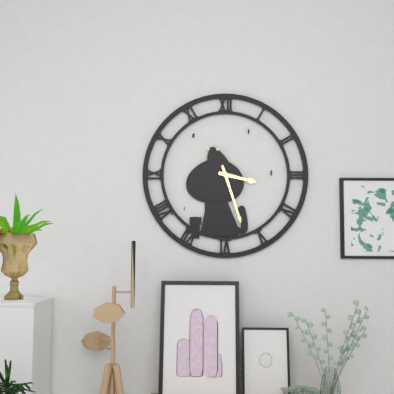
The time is 3,27
